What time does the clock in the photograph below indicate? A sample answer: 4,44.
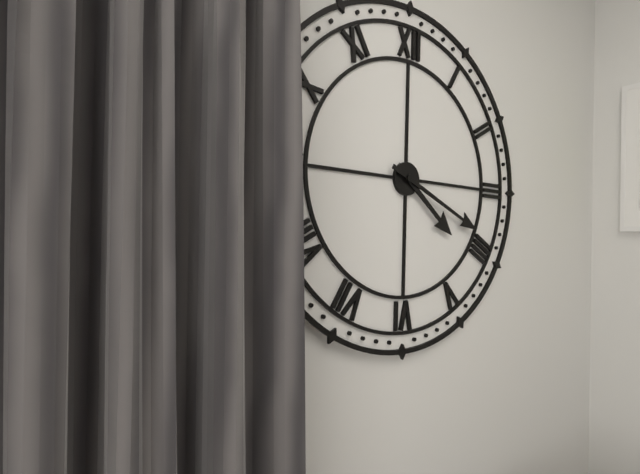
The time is 4,19
